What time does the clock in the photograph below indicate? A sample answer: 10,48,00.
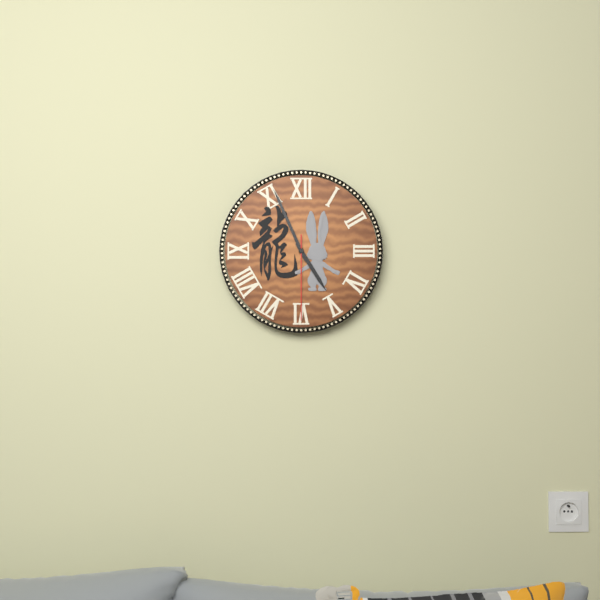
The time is 4,56,30
